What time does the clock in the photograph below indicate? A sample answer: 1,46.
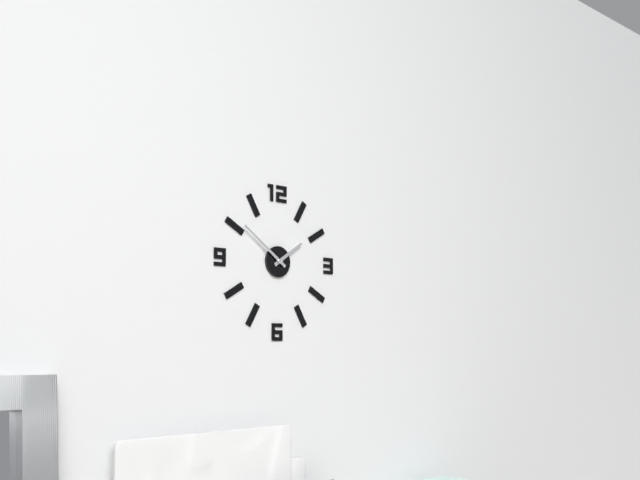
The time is 1,51
